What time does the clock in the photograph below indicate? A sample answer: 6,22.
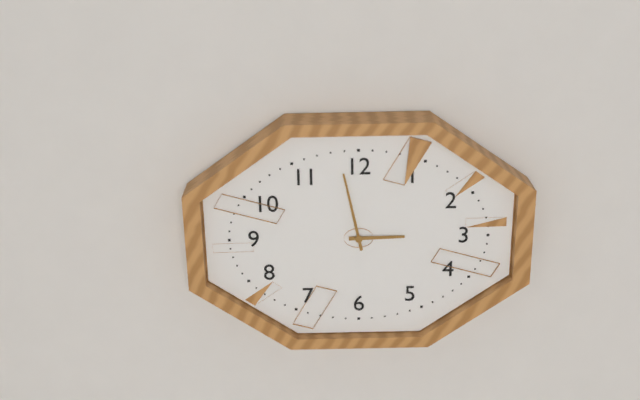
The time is 2,58
